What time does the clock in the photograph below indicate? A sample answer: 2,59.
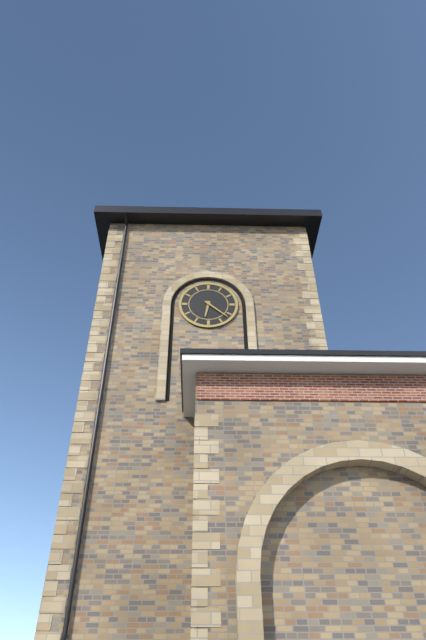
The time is 6,22
